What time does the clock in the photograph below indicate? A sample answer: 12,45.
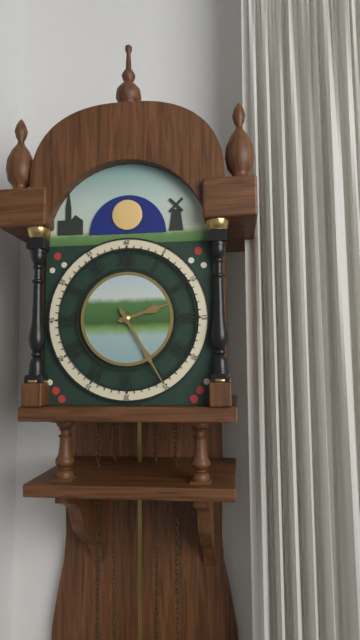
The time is 2,25
